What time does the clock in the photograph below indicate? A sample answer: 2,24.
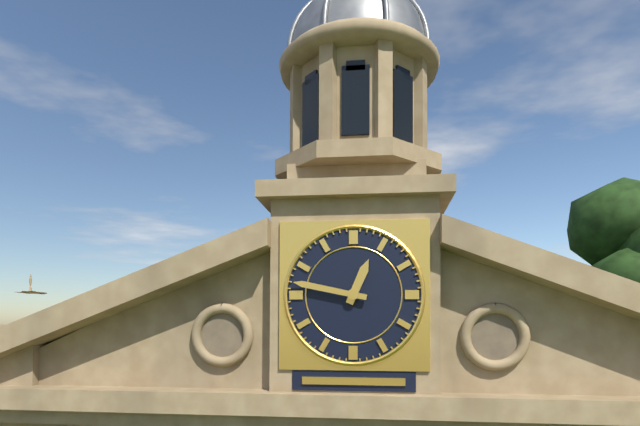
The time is 12,47
